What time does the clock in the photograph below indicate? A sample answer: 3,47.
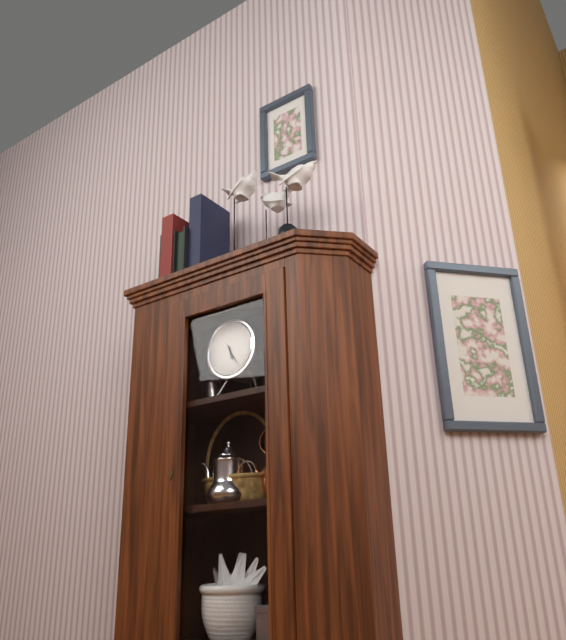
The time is 5,25
